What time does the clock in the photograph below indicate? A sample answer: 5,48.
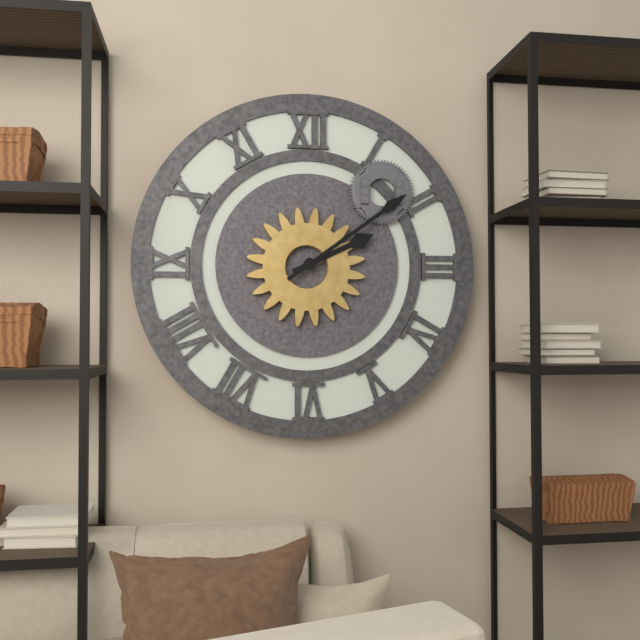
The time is 2,09
